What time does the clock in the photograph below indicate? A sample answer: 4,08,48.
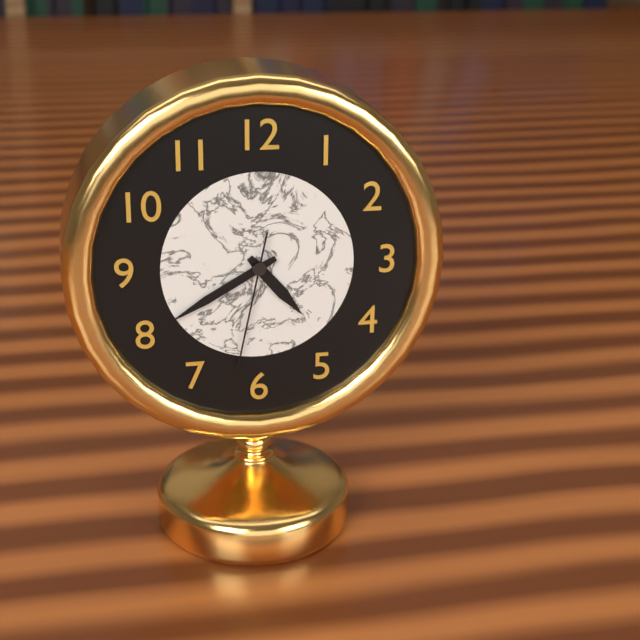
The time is 4,40,32
